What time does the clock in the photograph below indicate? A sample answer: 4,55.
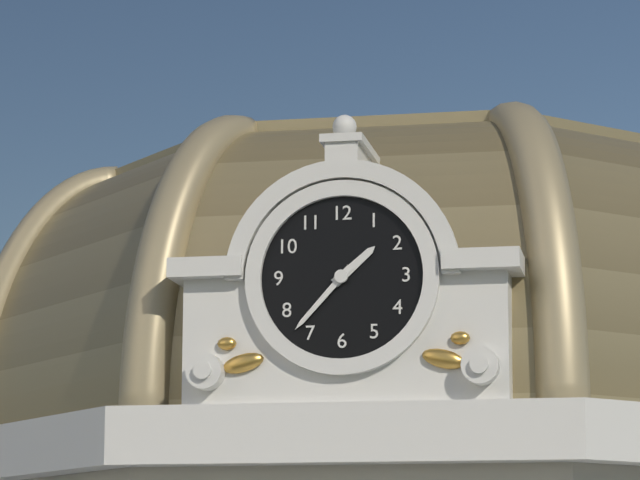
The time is 1,37
